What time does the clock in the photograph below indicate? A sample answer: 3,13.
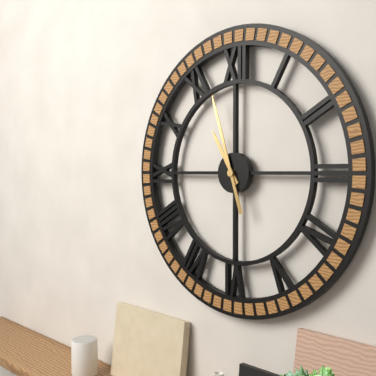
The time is 10,57
